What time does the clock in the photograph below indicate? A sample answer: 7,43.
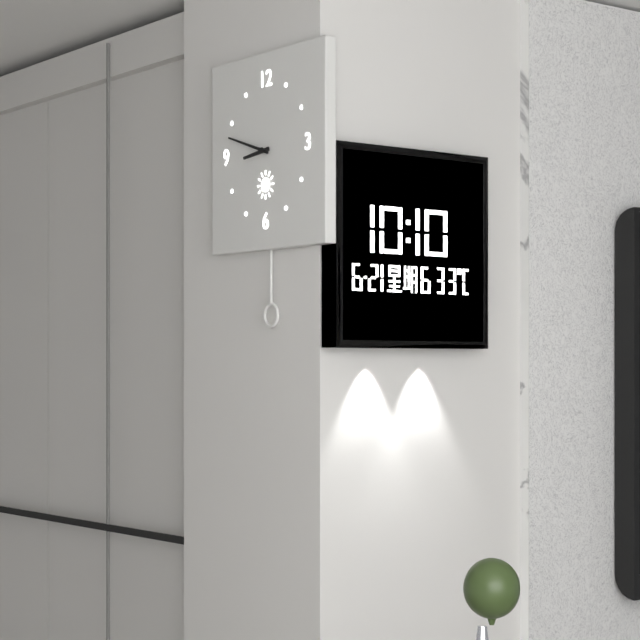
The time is 8,48
